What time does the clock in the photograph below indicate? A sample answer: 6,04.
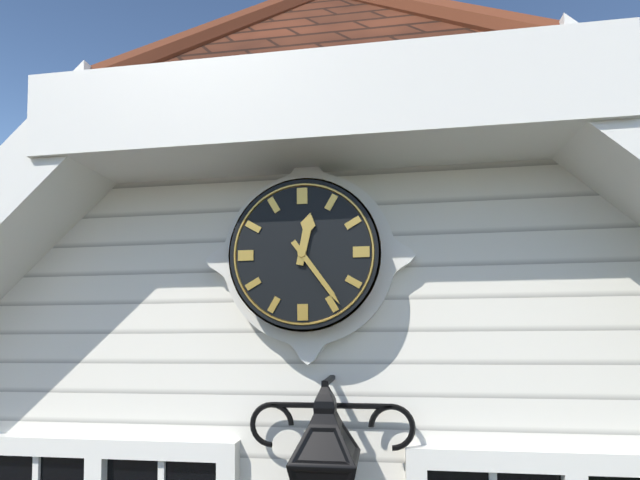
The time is 12,24
